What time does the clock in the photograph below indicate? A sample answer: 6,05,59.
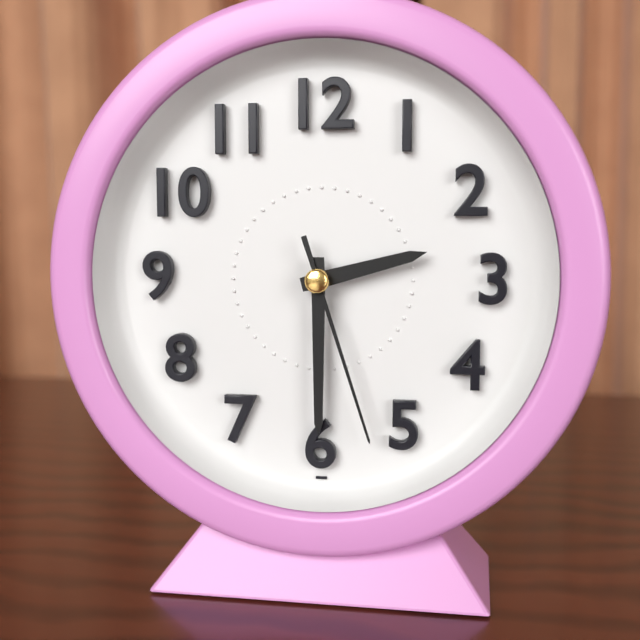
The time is 2,30,27
